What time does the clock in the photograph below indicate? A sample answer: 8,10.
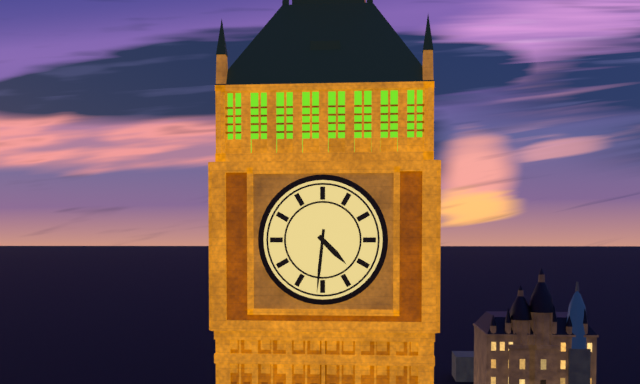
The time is 4,31
